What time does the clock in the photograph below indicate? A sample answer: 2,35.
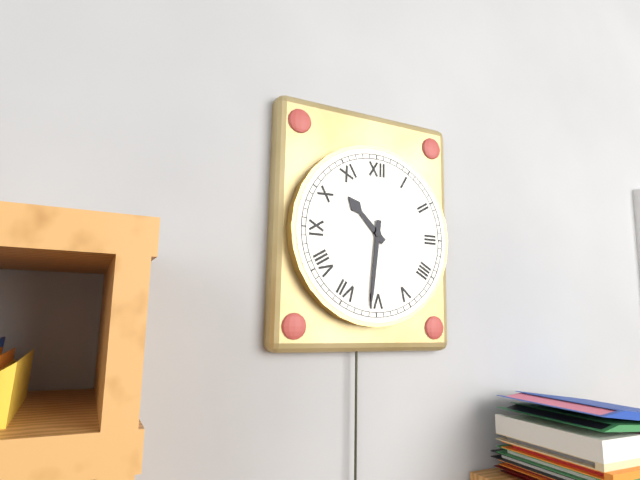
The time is 10,31
